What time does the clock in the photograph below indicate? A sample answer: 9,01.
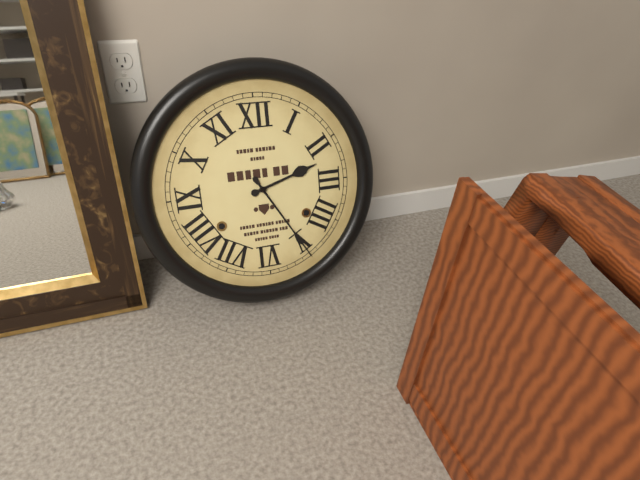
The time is 2,25
